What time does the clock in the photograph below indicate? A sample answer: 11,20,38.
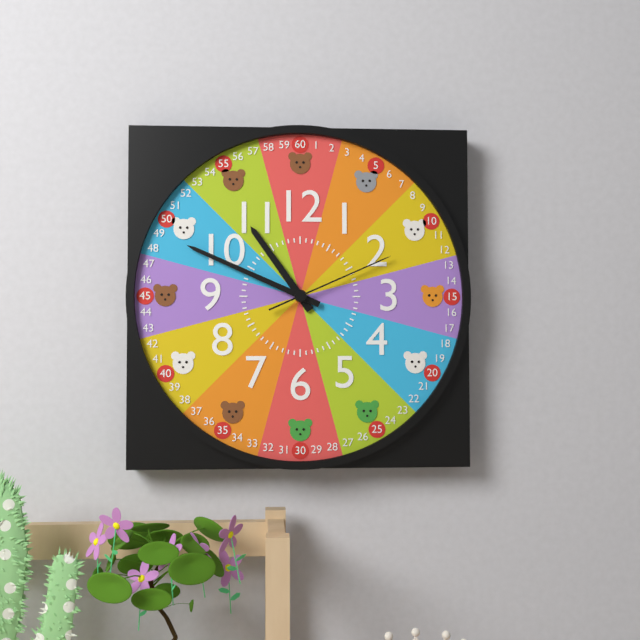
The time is 10,49,11
